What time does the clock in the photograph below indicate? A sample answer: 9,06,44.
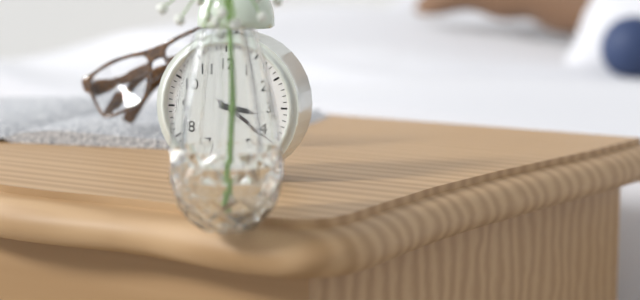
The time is 3,21,21
